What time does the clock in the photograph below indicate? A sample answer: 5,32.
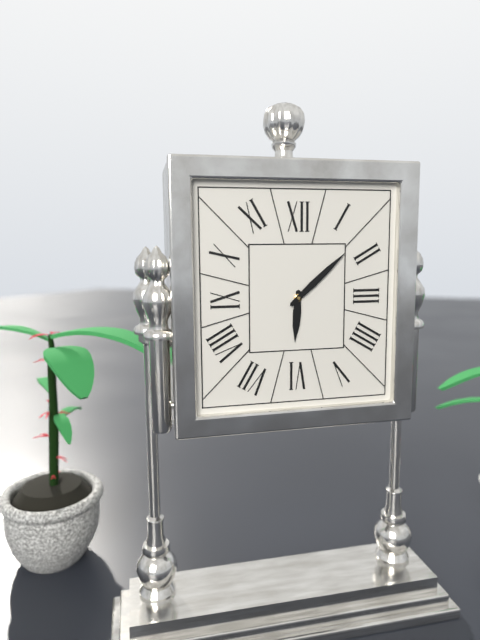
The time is 6,08
